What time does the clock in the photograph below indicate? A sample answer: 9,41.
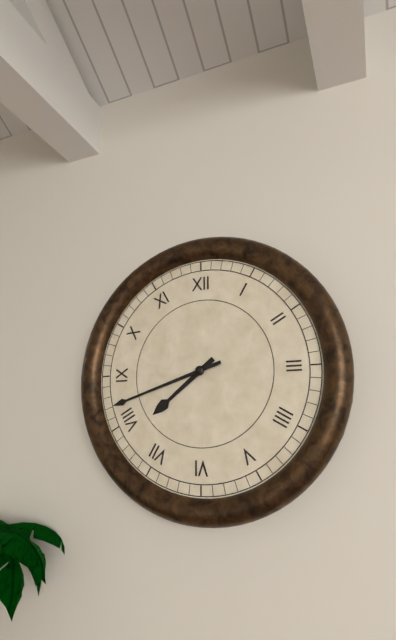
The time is 7,42
